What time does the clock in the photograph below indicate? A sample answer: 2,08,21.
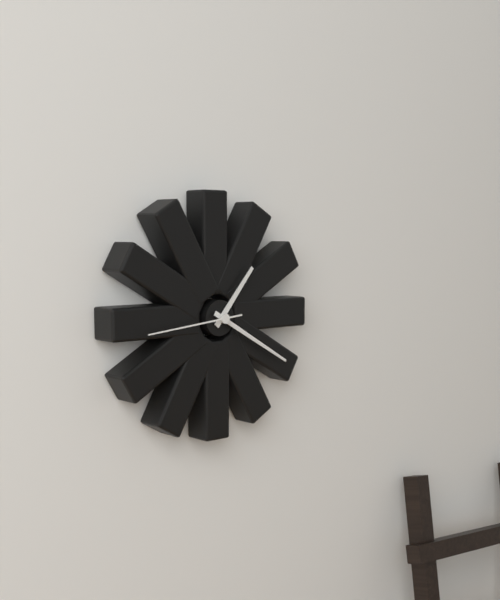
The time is 1,20,44
